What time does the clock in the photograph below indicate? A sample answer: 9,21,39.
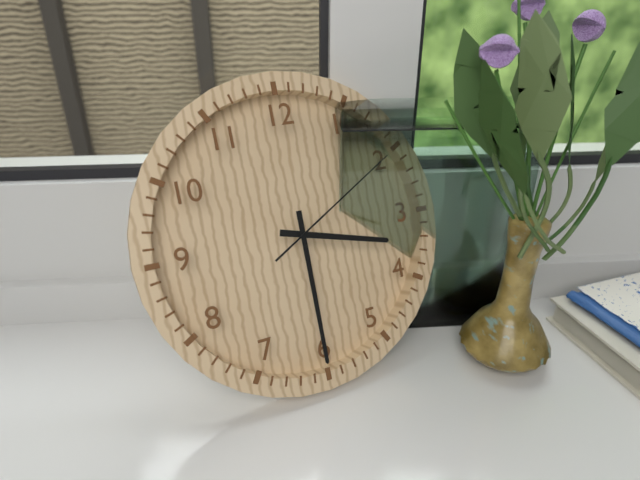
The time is 3,30,10
